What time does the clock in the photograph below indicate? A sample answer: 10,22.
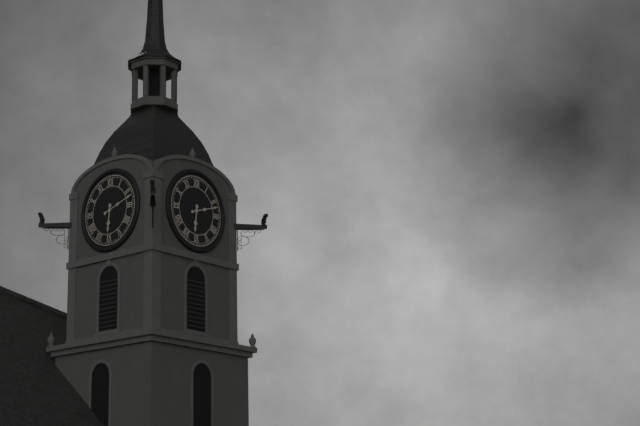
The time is 6,12
